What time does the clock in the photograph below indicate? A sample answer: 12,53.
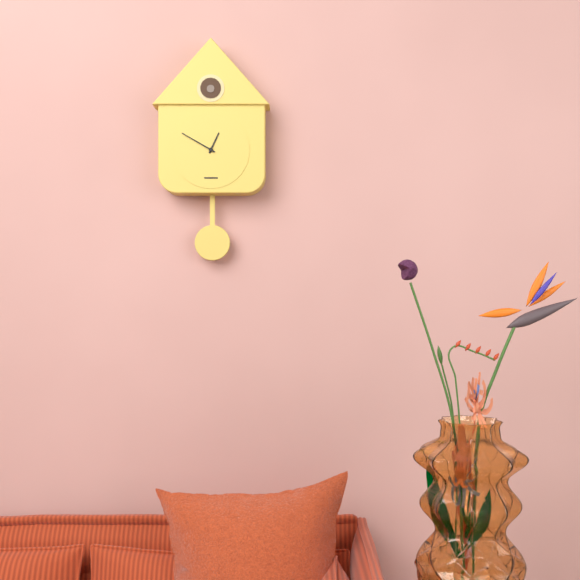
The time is 12,50
